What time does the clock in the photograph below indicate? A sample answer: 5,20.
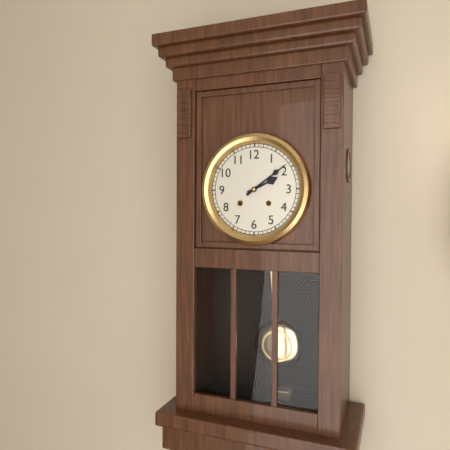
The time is 2,09
